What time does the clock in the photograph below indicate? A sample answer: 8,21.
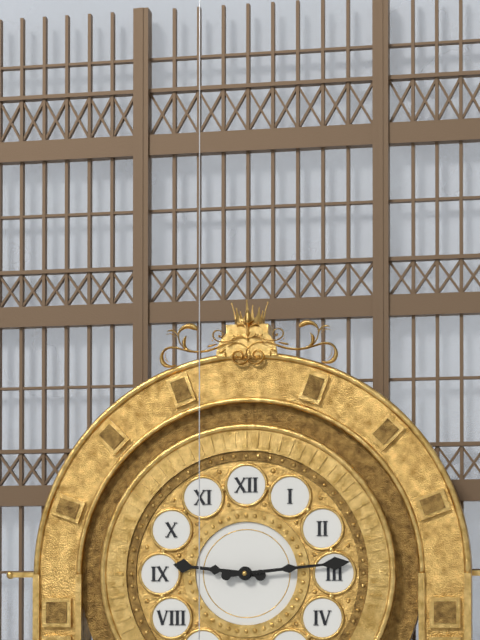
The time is 9,14
